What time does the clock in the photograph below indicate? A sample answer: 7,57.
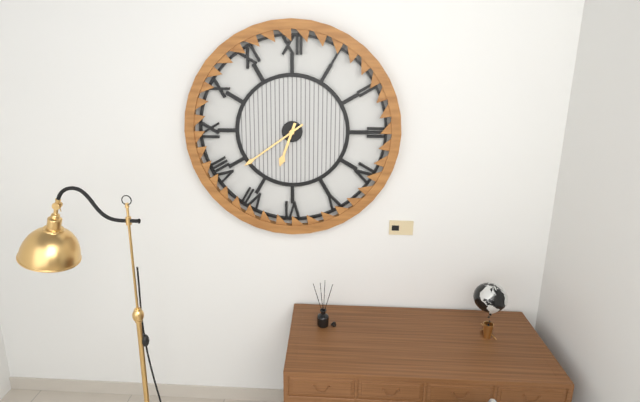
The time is 6,39
